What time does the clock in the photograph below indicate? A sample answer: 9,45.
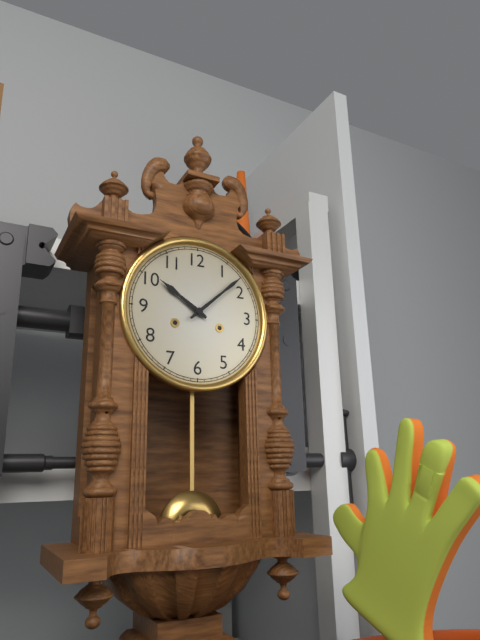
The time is 10,08
